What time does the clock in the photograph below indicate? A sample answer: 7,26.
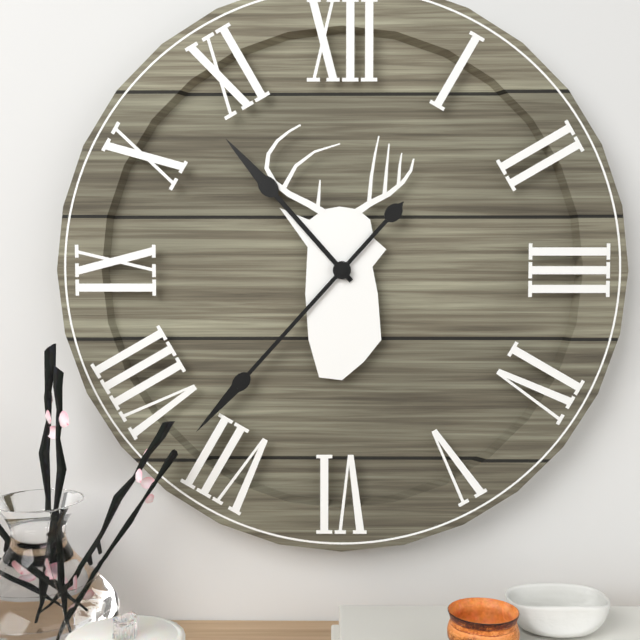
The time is 10,37
